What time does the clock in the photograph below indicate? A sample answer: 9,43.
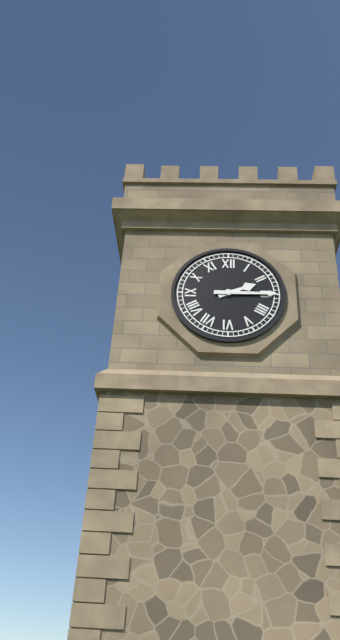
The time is 2,15
